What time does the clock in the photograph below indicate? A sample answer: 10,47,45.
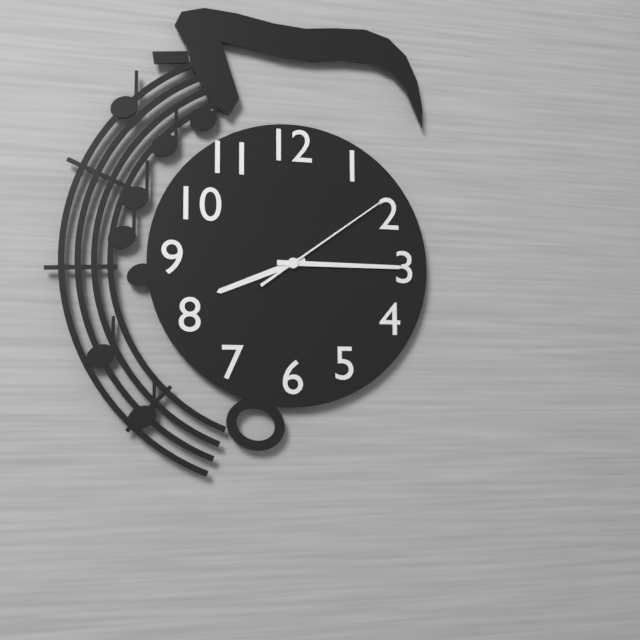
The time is 8,15,09
